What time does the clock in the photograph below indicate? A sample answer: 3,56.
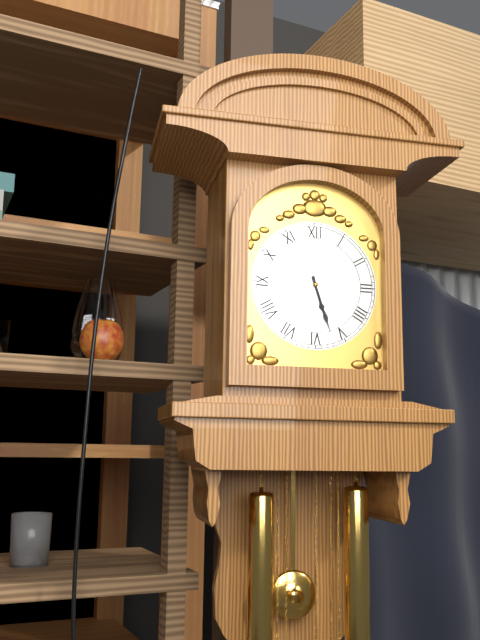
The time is 5,27
